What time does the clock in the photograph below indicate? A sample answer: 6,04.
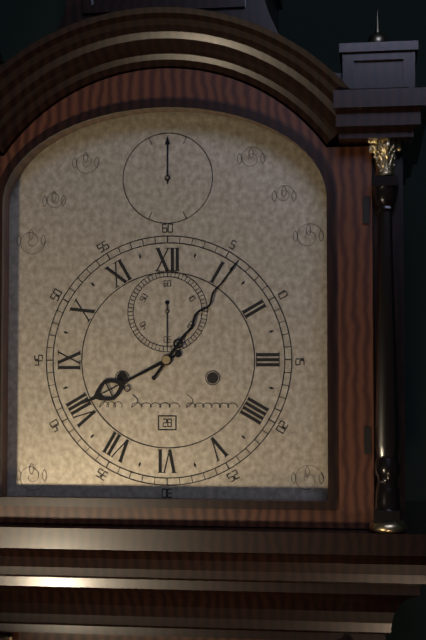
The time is 8,06
